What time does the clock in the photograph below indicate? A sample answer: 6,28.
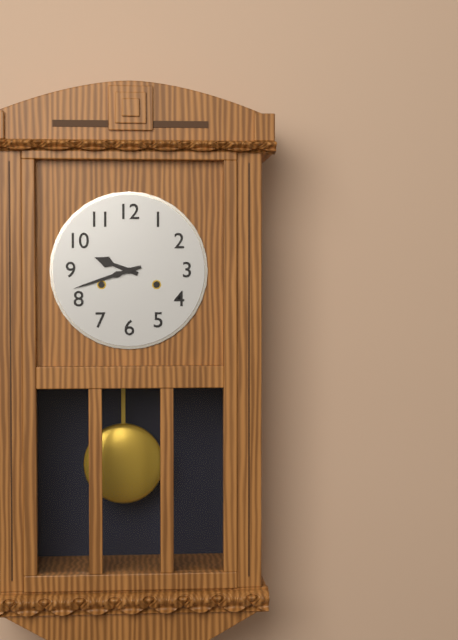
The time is 9,42
